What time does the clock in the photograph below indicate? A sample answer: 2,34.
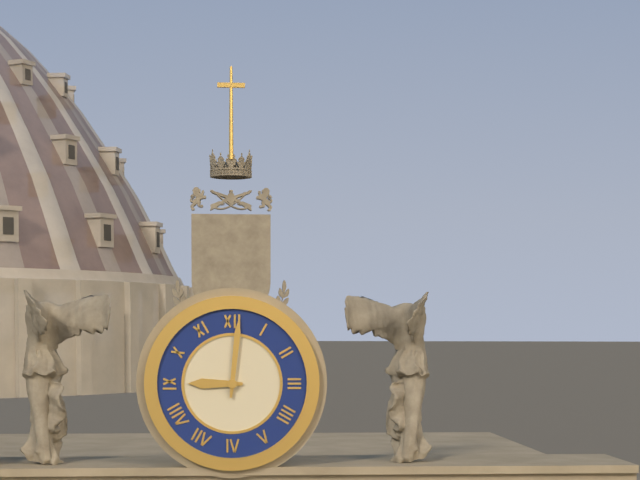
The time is 9,01
